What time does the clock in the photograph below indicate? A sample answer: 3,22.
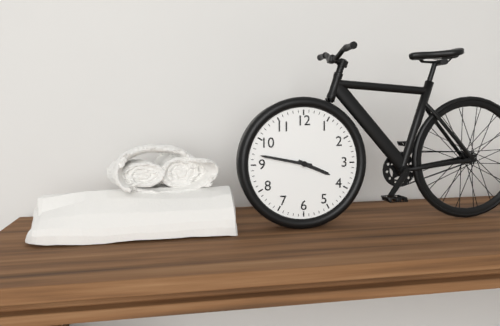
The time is 3,47
